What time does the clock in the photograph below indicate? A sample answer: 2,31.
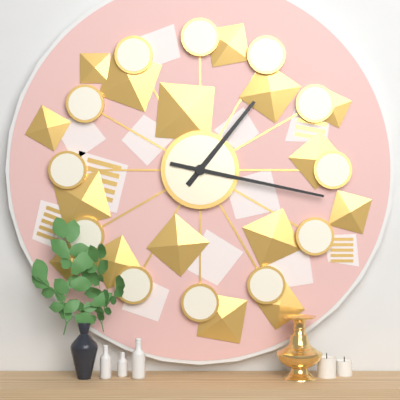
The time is 1,17
